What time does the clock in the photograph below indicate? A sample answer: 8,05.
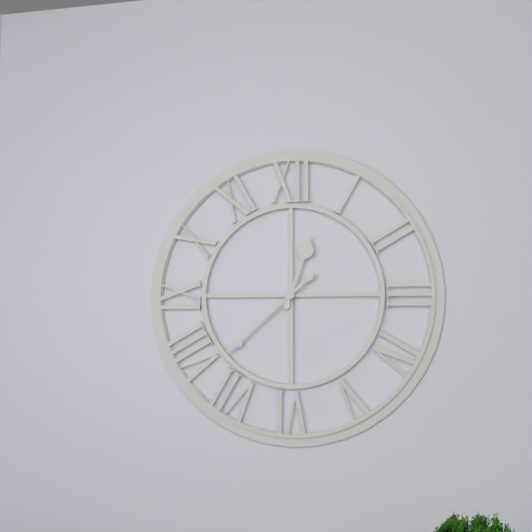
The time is 12,38
